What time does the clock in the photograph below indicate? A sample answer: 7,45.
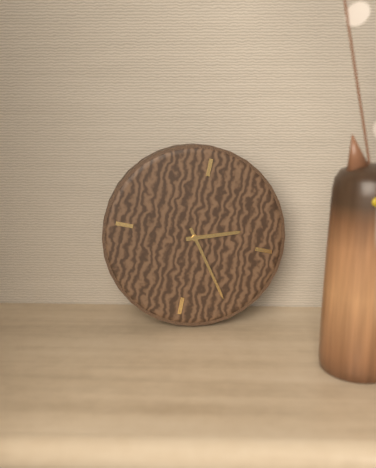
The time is 2,24
